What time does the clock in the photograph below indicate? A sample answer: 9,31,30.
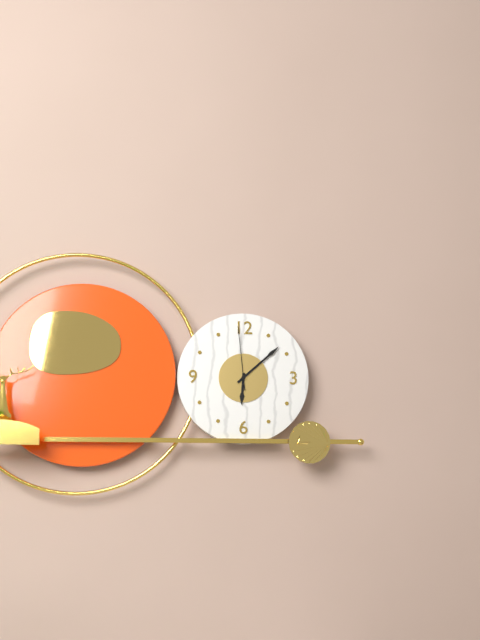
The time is 6,08,59
